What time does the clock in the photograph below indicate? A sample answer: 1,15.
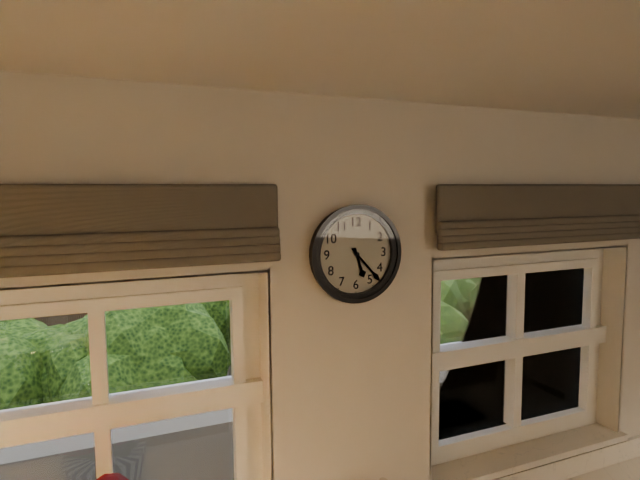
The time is 5,23
